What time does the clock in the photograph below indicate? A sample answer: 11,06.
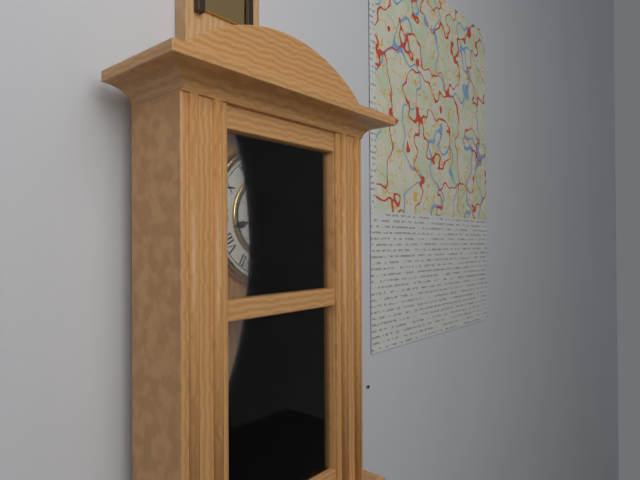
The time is 8,30
